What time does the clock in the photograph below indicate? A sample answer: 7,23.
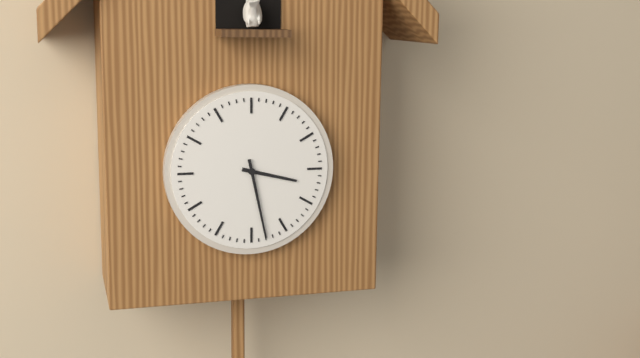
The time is 3,28
